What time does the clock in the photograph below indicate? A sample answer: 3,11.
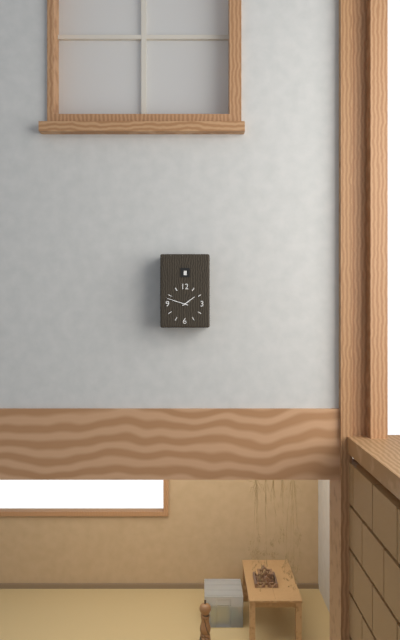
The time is 1,48
